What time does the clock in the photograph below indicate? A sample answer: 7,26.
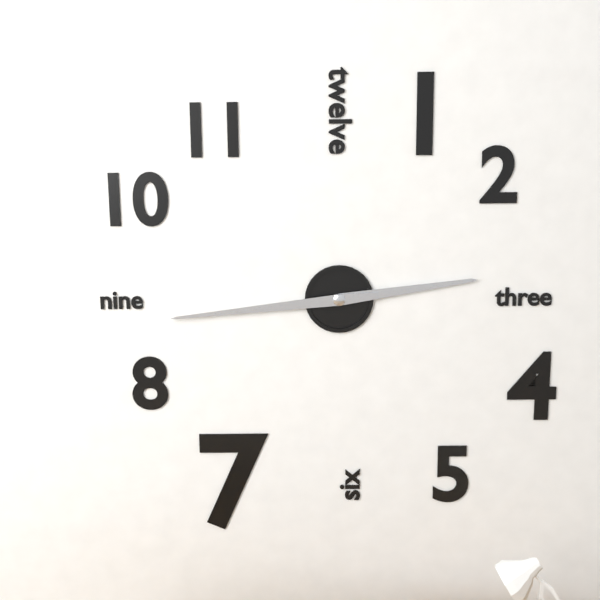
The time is 2,44
